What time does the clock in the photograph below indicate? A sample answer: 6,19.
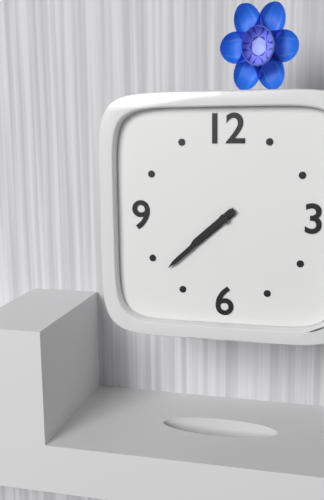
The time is 7,38
